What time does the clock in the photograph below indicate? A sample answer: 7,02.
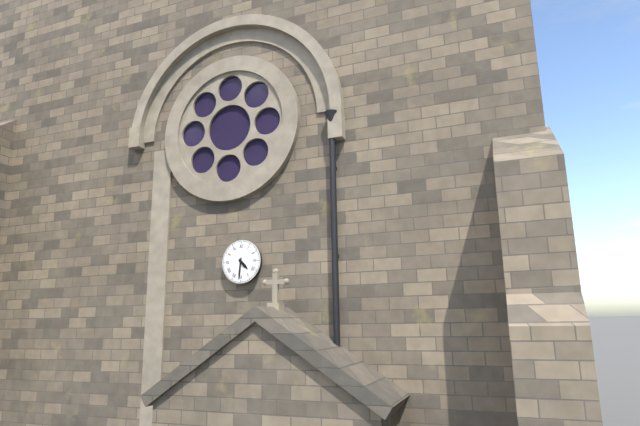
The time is 4,31
